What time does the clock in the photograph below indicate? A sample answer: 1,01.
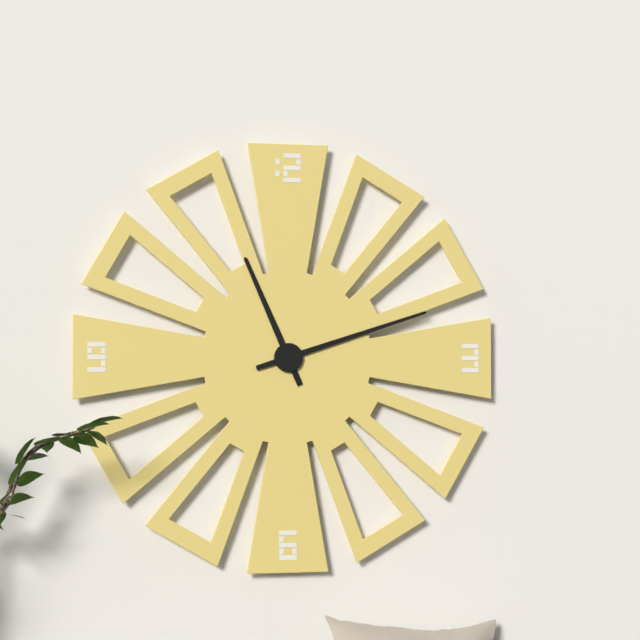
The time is 11,12
